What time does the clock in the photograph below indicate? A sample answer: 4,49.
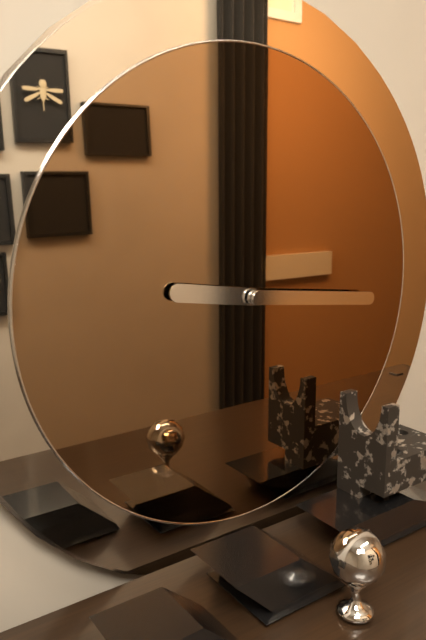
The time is 9,16
